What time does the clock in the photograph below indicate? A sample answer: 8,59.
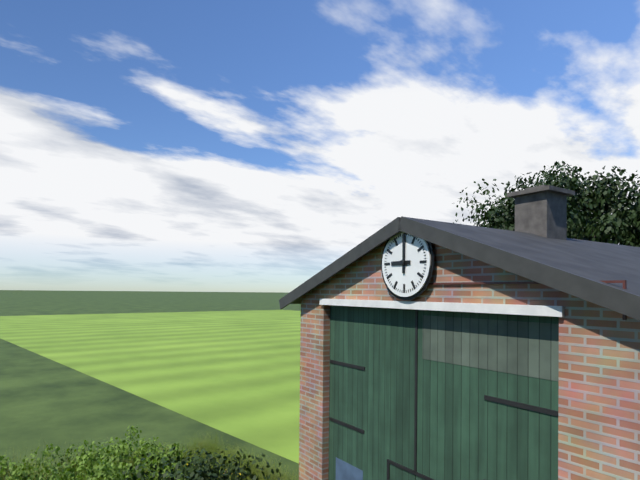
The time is 9,00
